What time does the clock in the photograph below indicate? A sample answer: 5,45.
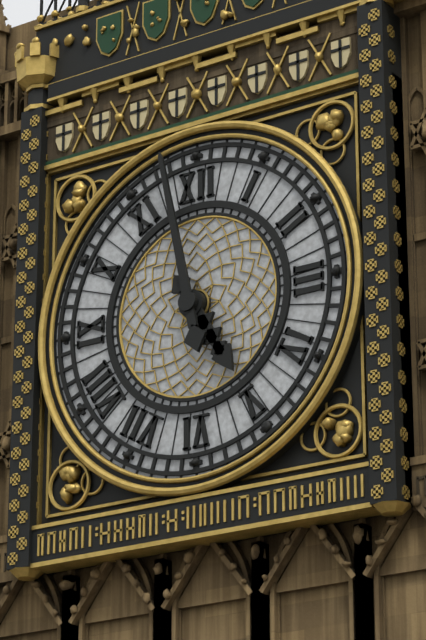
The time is 4,58
